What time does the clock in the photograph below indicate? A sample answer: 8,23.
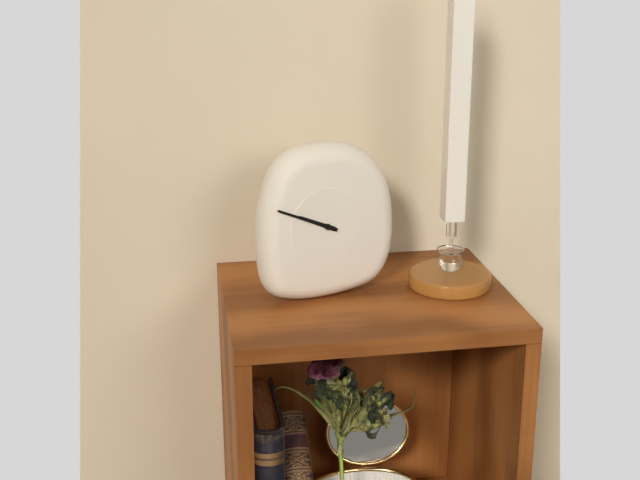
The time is 9,49
